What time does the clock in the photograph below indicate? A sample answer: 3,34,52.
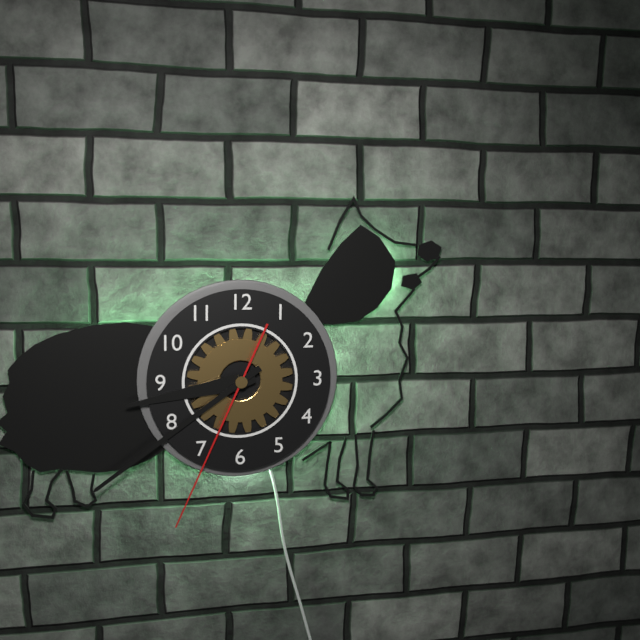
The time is 8,39,34
